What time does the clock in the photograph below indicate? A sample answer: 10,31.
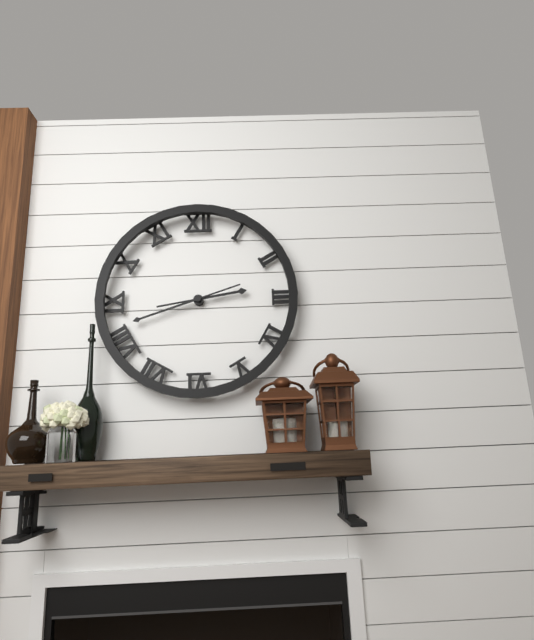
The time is 2,42
